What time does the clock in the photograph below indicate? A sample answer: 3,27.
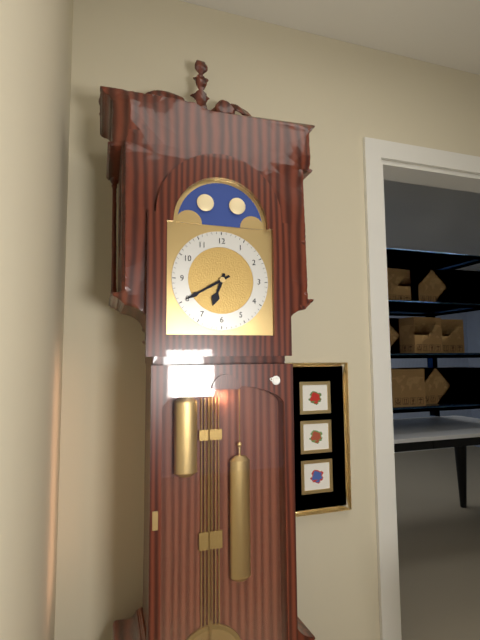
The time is 6,40
